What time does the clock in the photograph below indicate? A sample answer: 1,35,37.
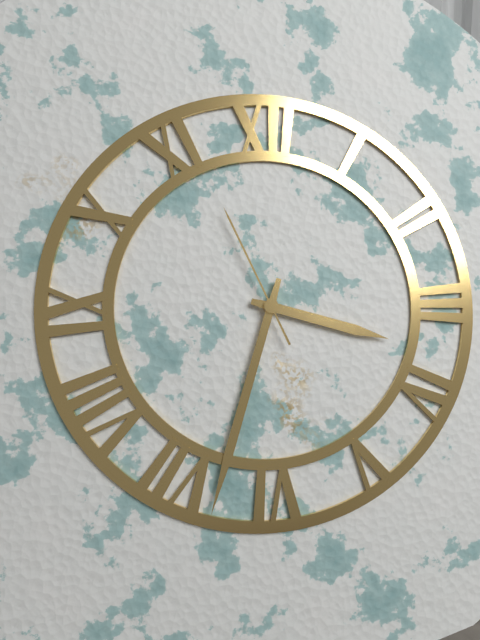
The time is 3,33,56
